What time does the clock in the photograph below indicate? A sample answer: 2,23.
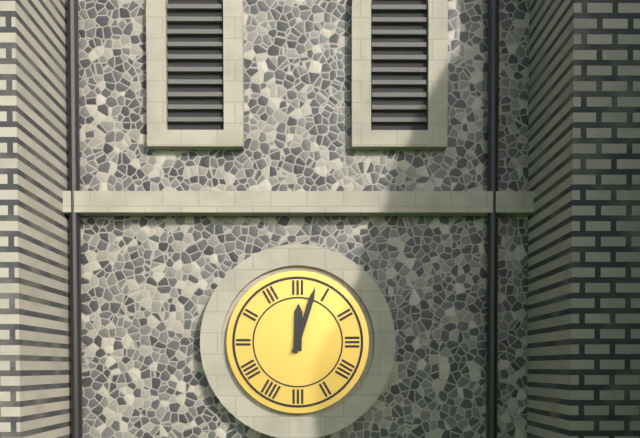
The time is 12,03
